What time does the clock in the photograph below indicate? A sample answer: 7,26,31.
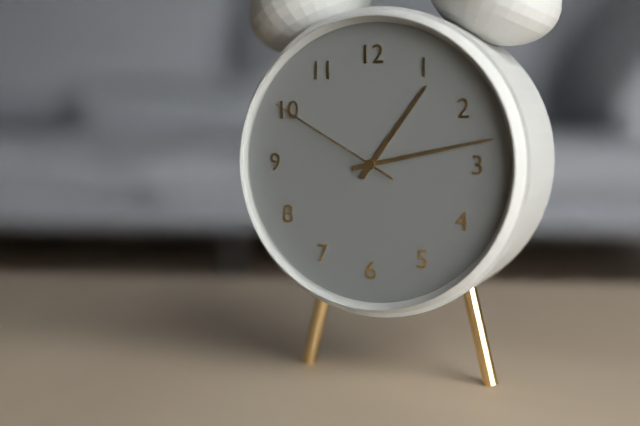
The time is 1,13,50
